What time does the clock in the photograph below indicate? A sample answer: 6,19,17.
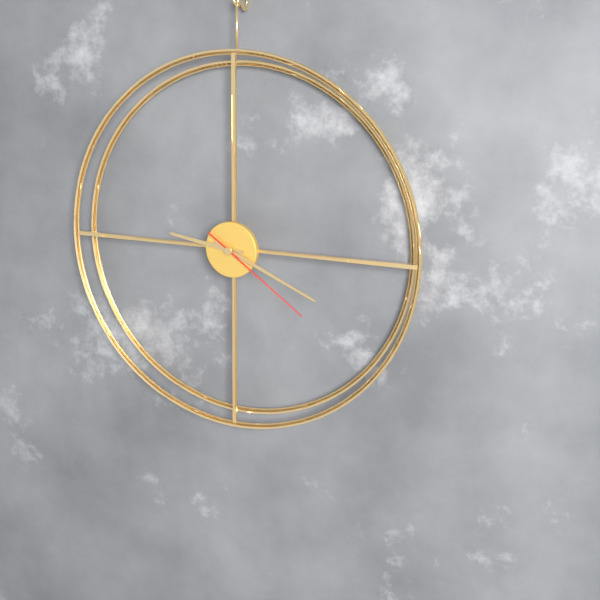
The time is 9,19,21
